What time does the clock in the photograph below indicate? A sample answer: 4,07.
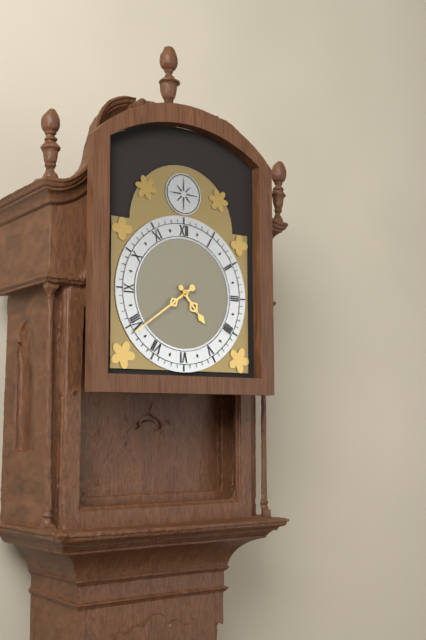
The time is 4,39
